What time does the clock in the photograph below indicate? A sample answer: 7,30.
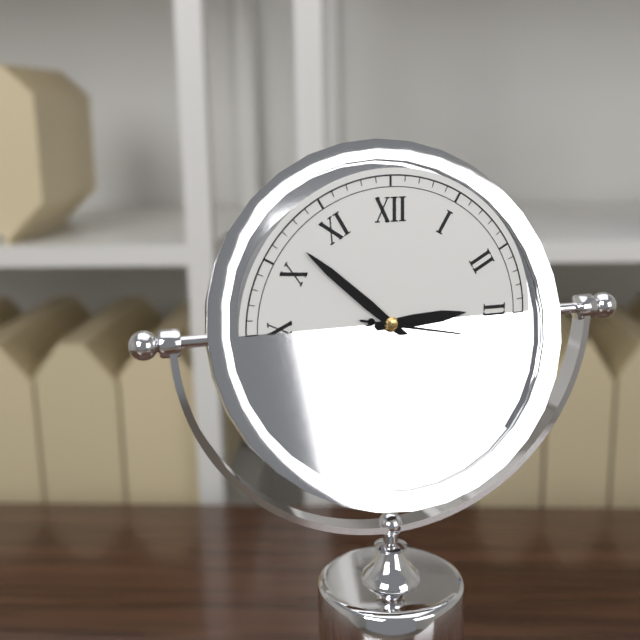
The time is 2,52
